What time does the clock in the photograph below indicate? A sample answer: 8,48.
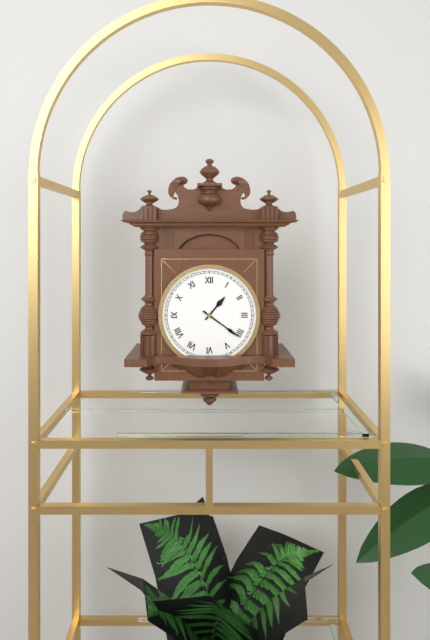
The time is 1,21
